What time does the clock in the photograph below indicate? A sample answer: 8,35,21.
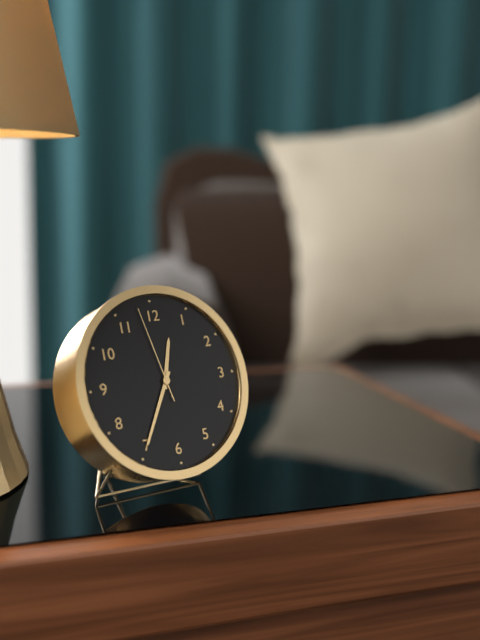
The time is 12,35,58
